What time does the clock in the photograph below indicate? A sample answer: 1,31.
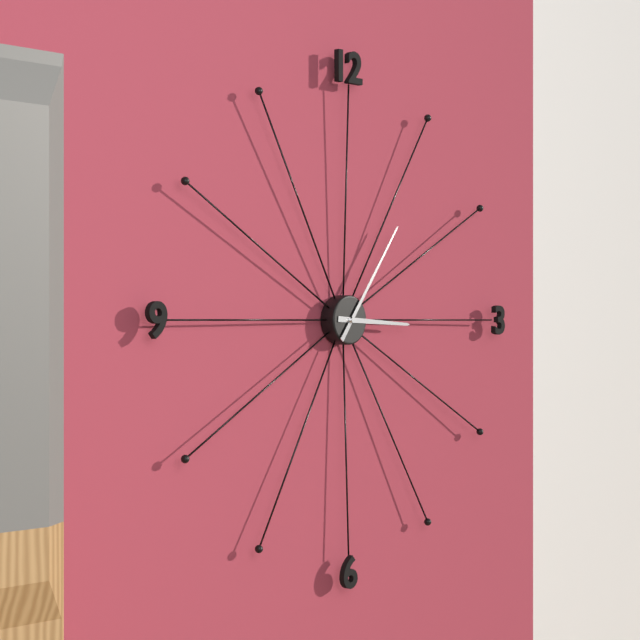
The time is 3,06
